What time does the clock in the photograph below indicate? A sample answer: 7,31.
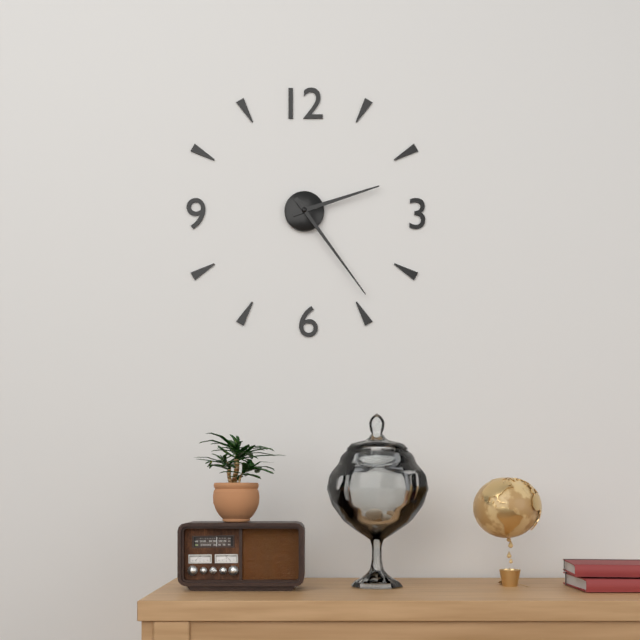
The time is 2,24
